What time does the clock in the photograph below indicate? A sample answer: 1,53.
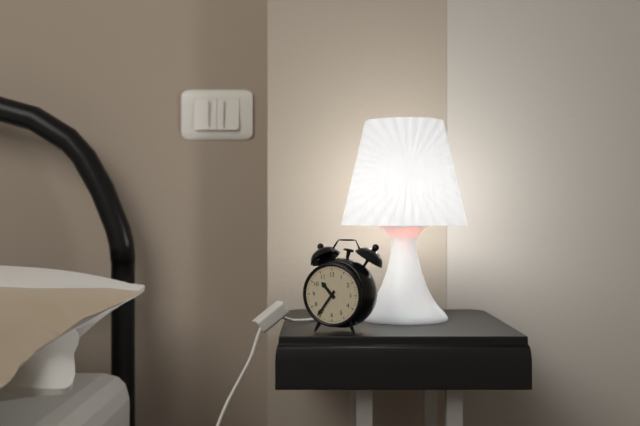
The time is 10,36
